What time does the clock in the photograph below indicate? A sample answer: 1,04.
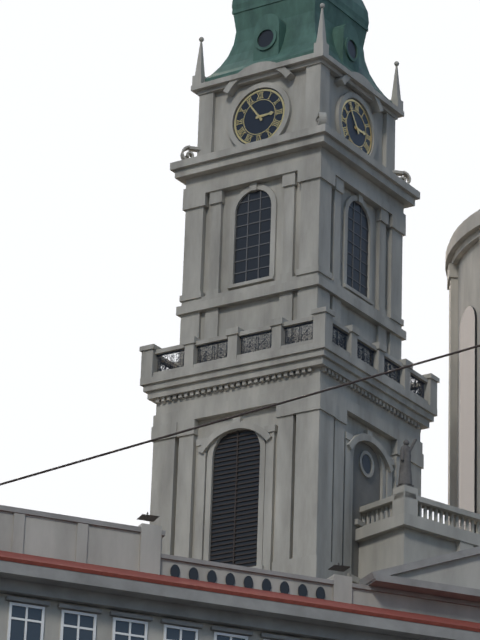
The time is 2,54
